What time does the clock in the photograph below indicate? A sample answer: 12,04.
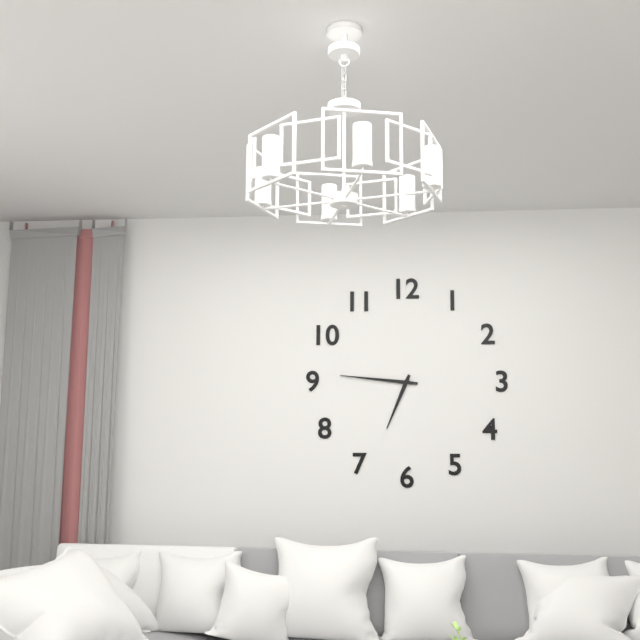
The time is 6,46
